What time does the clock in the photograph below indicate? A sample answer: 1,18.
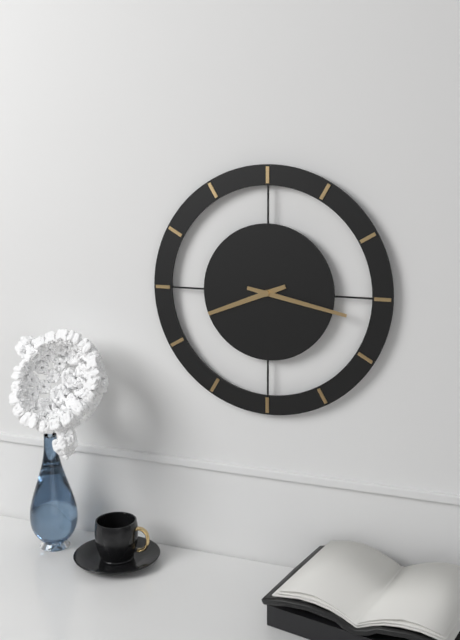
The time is 8,17
